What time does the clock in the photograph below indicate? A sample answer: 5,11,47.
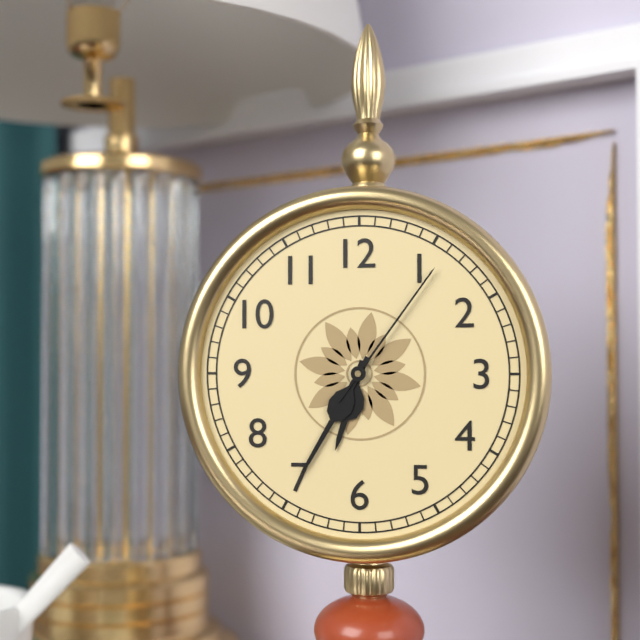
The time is 6,35,06
